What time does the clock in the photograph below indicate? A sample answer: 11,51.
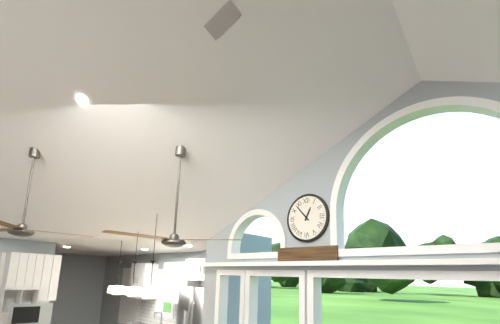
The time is 12,53
